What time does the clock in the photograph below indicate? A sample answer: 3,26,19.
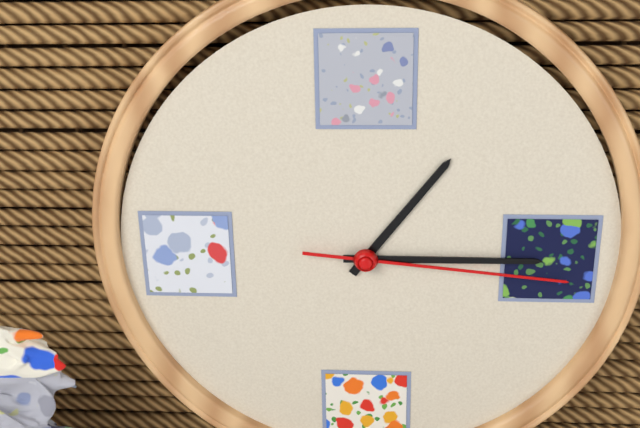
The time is 1,15,16
